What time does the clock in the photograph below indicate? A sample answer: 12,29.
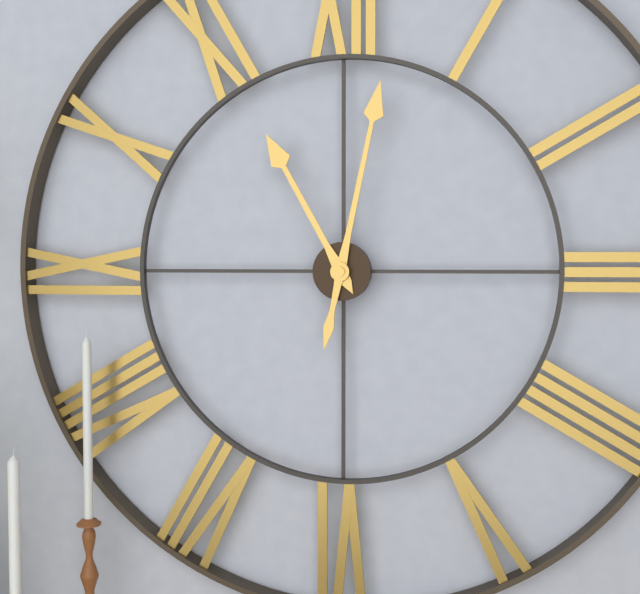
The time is 11,02
